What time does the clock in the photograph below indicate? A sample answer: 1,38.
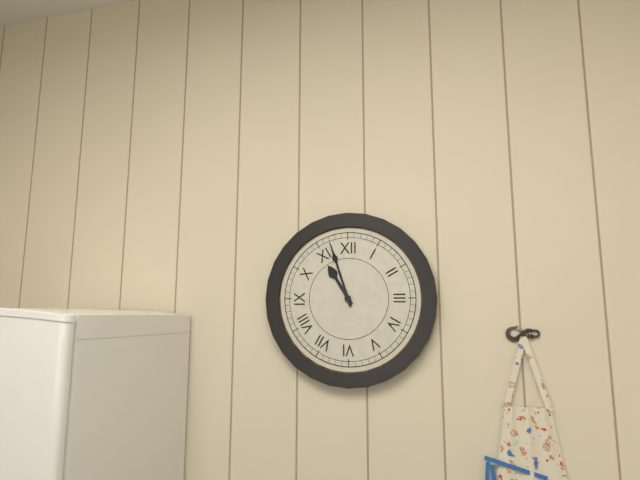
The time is 10,57
